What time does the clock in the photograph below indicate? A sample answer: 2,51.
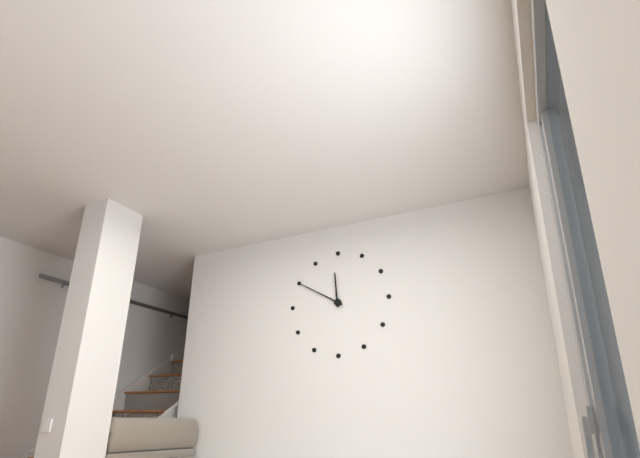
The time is 11,50
